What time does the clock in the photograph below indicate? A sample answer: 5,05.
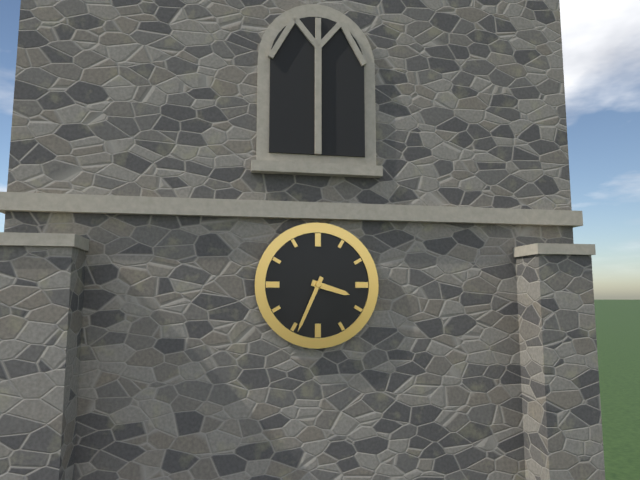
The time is 3,34
